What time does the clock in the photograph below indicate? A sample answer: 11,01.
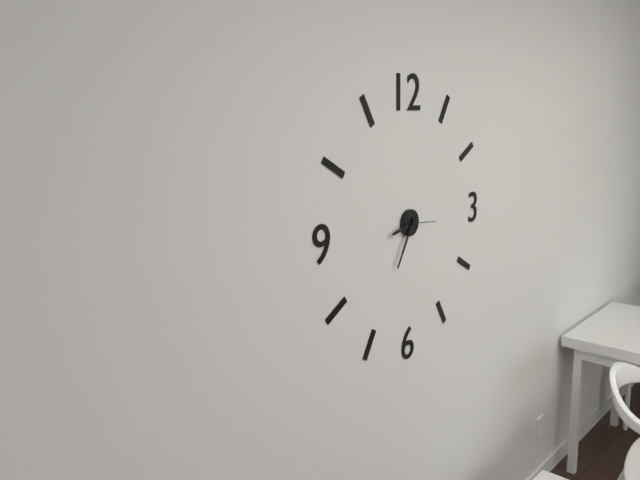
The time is 8,35
